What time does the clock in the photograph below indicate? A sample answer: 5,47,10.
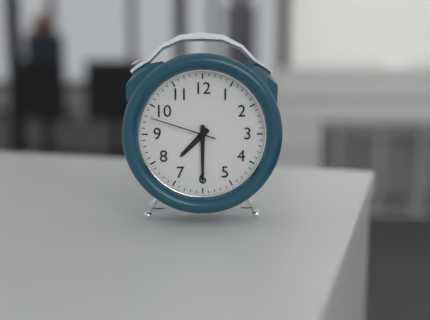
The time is 7,30,48
